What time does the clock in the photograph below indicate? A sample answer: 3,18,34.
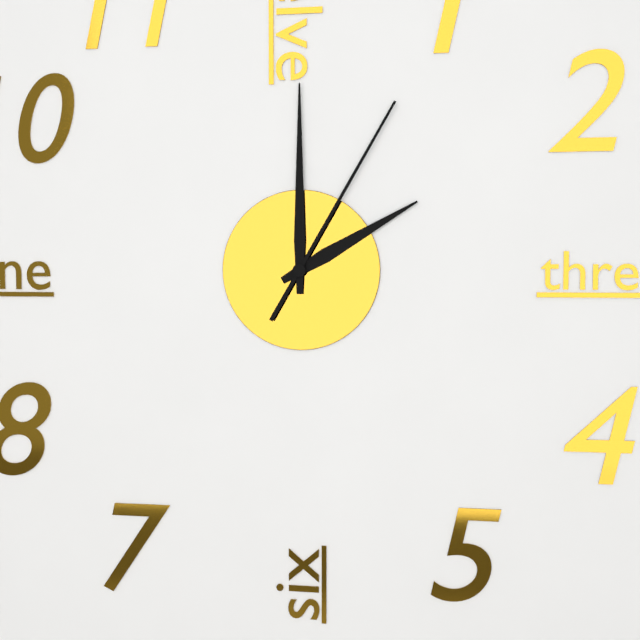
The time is 2,00,05
